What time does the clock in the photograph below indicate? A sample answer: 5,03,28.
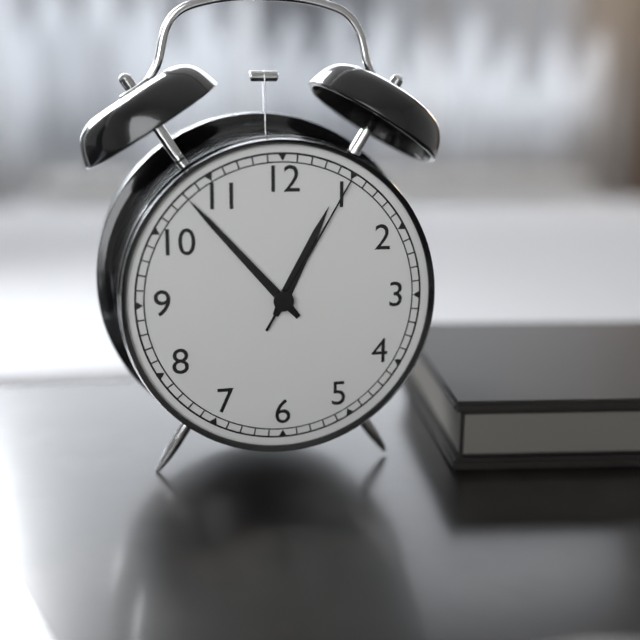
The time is 12,53,05
